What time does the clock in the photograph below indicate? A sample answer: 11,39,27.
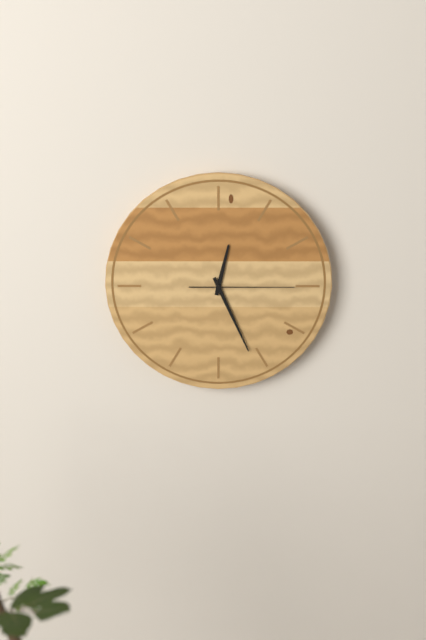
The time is 12,26,15
